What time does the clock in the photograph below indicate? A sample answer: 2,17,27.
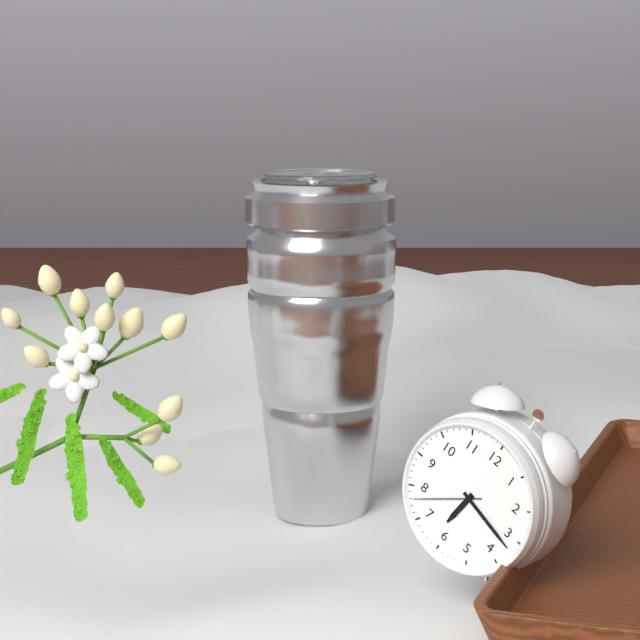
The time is 6,17,38
